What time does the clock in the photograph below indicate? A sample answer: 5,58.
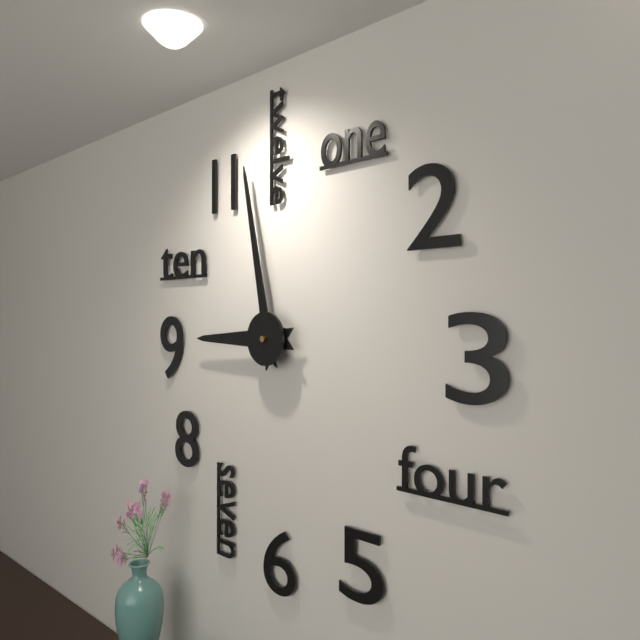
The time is 8,58
